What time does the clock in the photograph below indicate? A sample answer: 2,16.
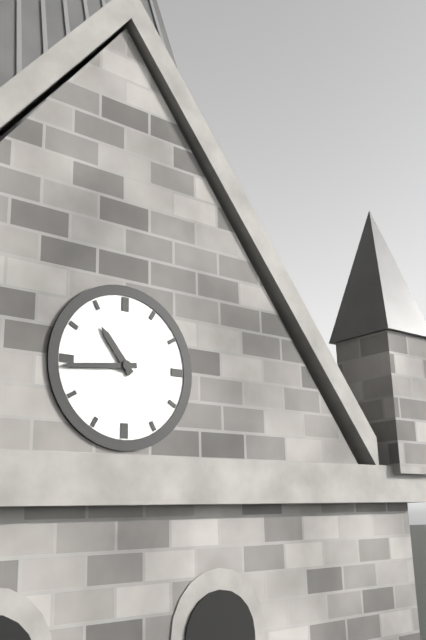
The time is 10,44
